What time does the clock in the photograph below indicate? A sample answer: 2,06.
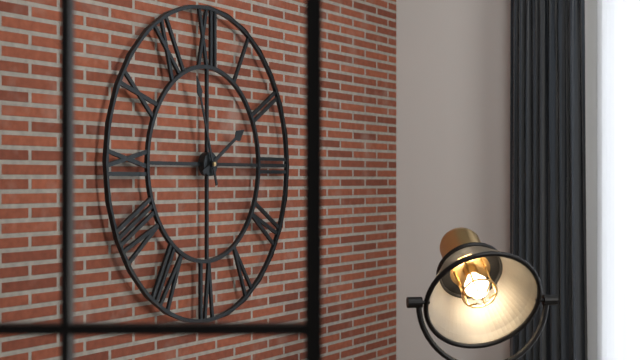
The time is 1,57
